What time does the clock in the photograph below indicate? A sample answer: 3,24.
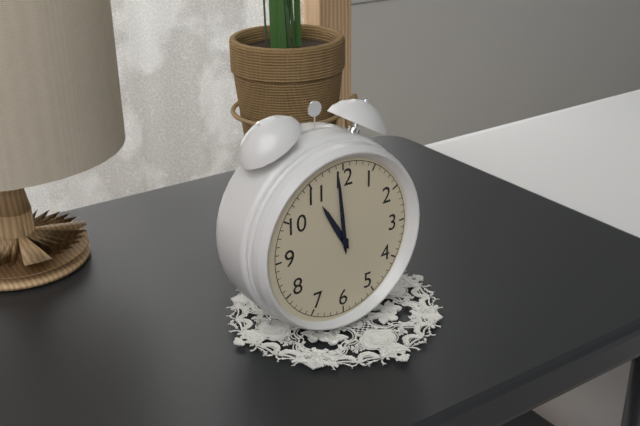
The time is 10,59
